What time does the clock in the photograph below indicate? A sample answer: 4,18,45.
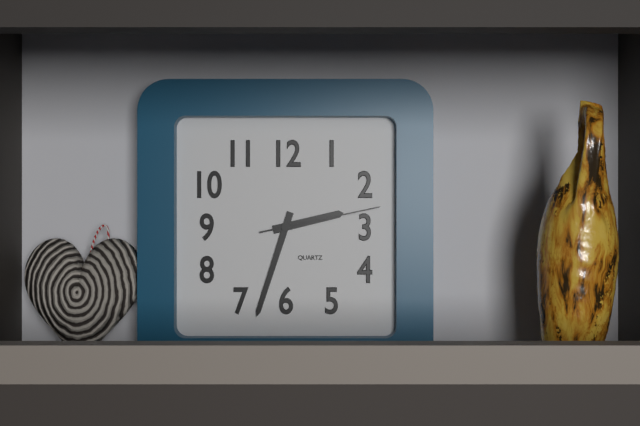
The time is 2,33,13
